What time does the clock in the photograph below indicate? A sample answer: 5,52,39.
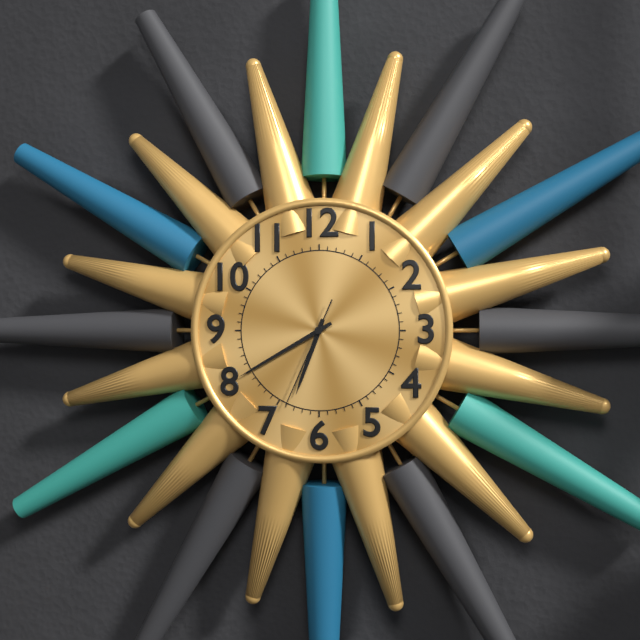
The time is 6,40,34
